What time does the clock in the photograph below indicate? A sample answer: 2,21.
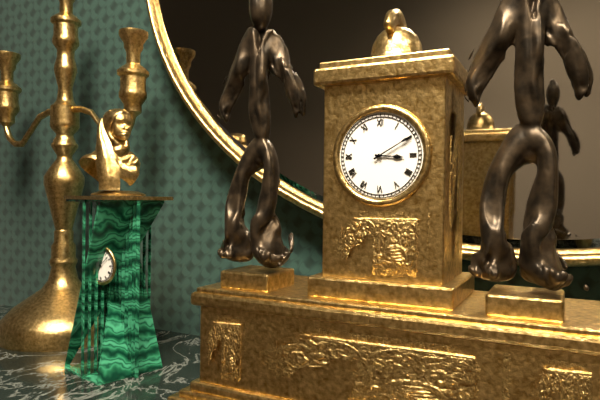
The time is 3,10
